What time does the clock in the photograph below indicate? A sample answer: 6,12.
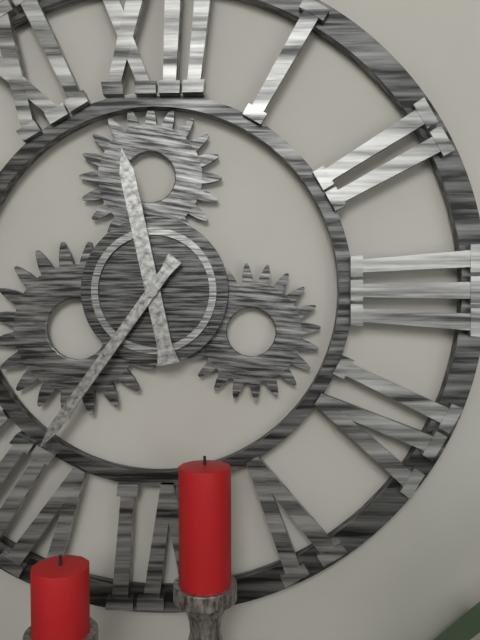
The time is 11,36
